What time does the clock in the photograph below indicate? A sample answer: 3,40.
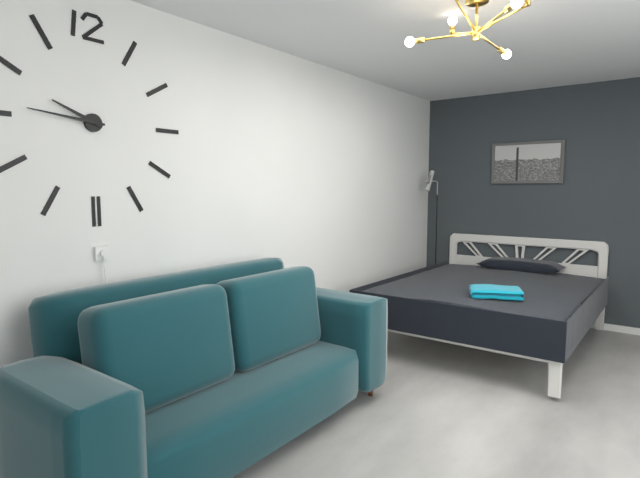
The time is 9,46
